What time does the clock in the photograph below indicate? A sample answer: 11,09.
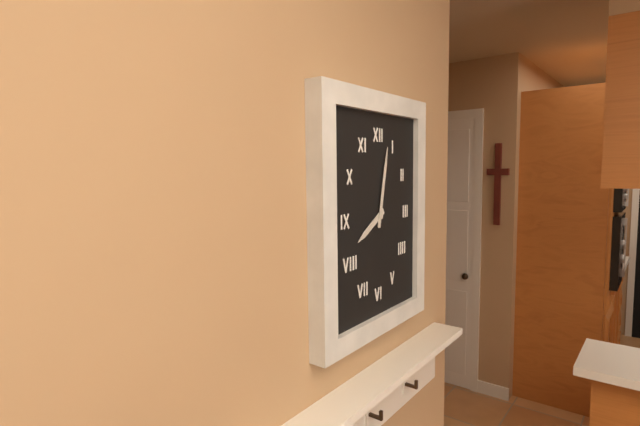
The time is 8,02
